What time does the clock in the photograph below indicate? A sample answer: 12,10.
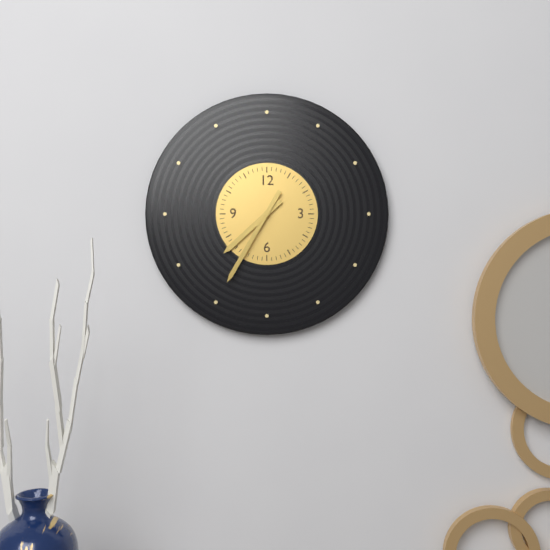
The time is 7,35
